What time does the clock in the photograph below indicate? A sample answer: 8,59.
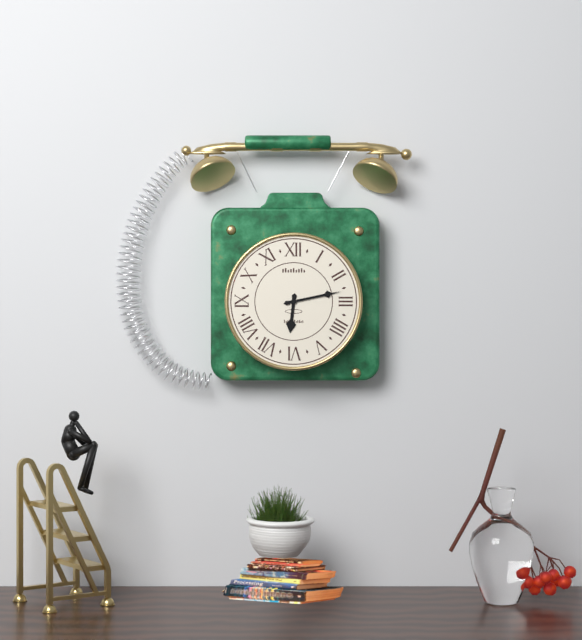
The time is 6,13
